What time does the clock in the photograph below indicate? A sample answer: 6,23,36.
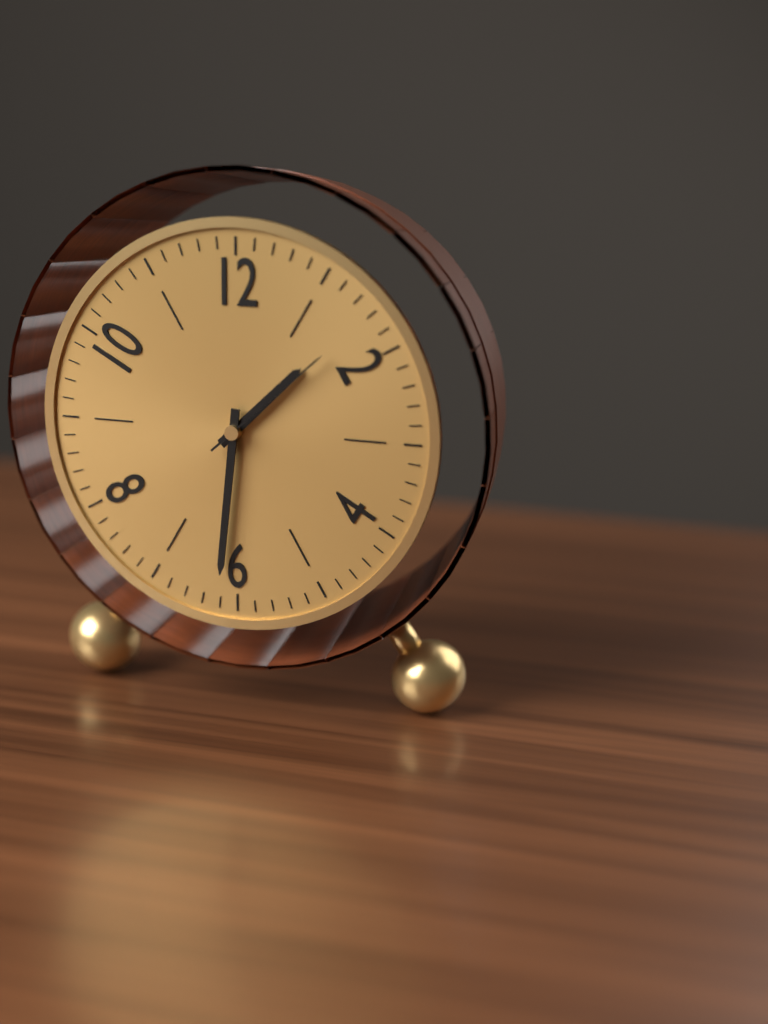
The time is 1,31,08
